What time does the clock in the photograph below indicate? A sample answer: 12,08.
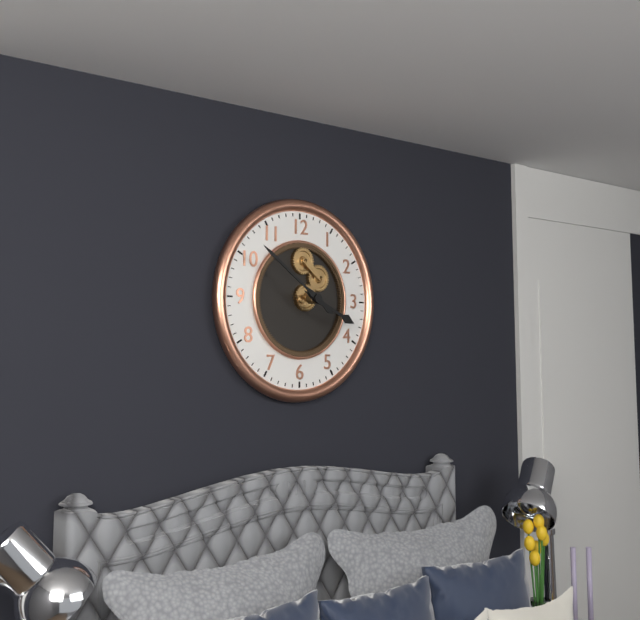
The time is 3,51
